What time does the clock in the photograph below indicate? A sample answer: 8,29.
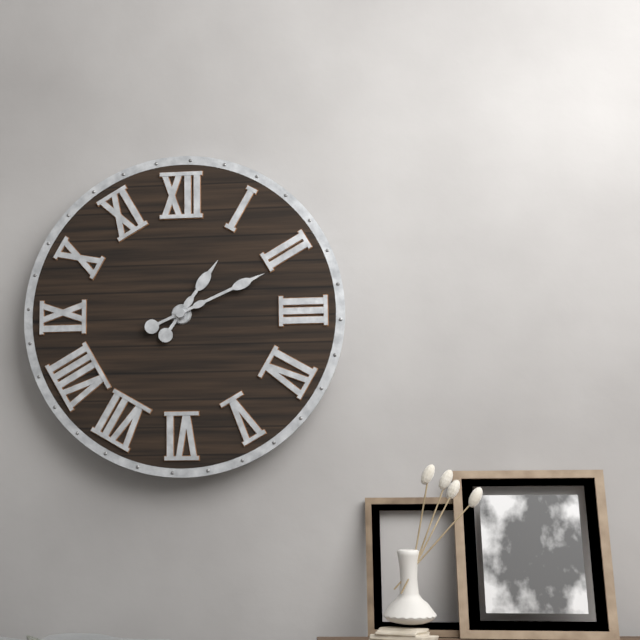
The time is 1,11
